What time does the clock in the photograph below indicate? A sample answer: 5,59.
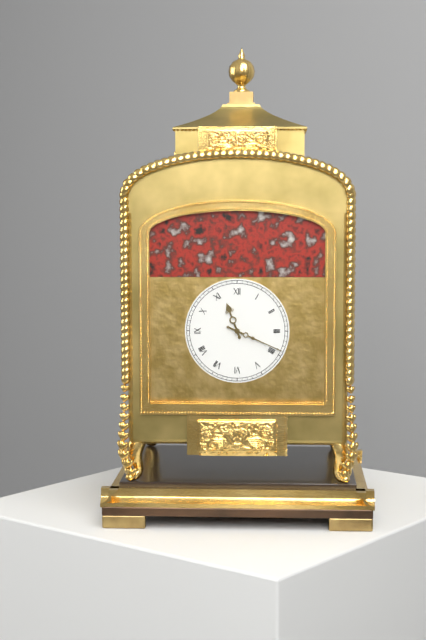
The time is 11,19
